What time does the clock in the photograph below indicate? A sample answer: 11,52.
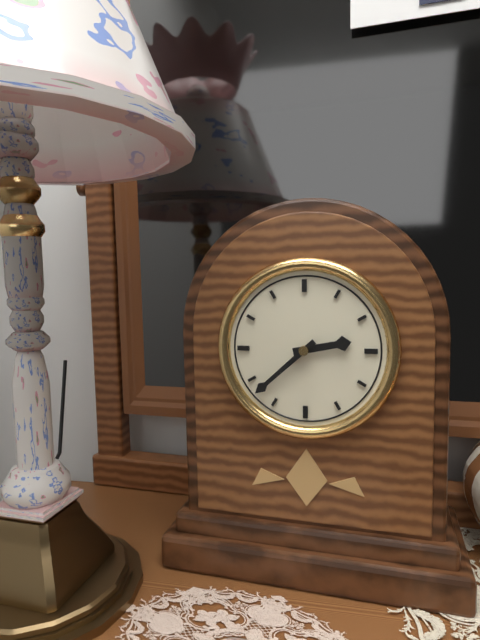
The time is 2,38
